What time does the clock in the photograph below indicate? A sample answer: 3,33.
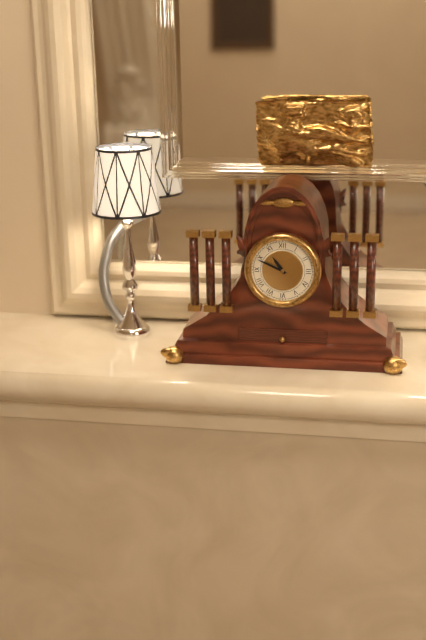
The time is 10,49
